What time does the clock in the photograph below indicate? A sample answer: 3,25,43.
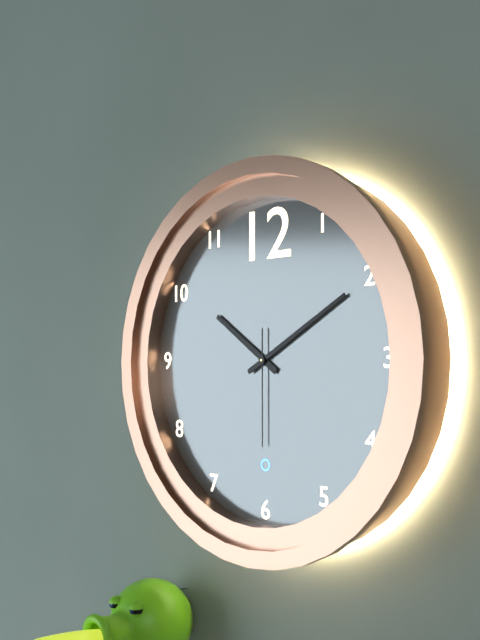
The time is 10,10,30
